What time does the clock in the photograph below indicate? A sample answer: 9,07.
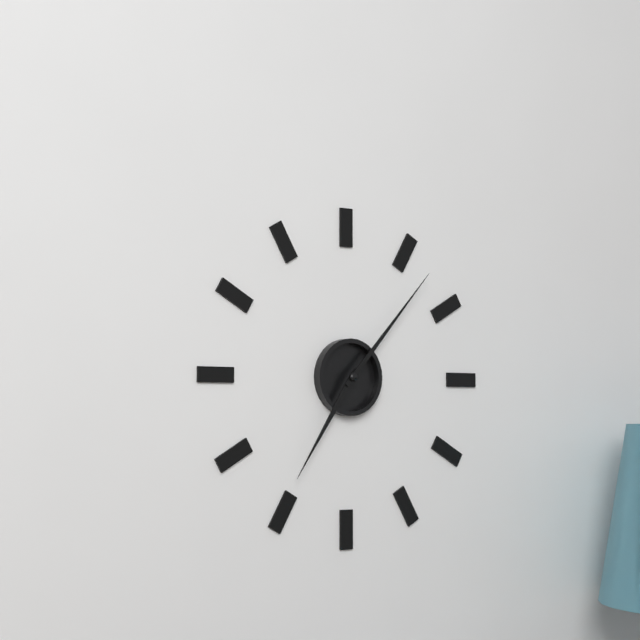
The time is 7,07
